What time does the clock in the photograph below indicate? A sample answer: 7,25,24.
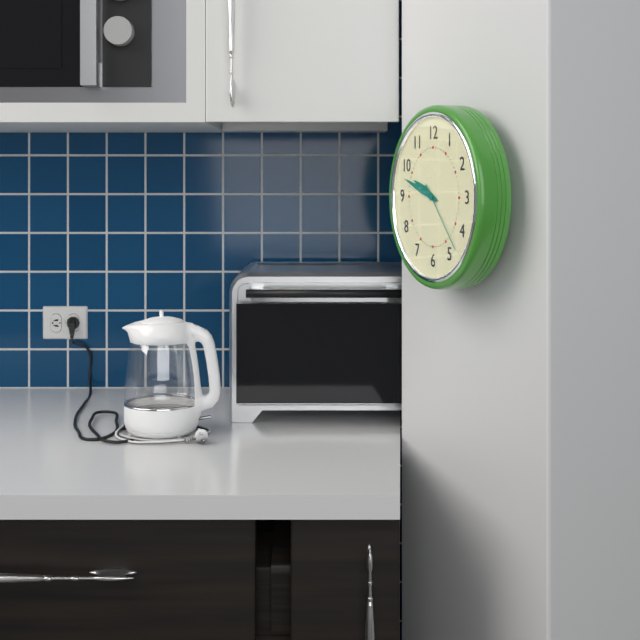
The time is 9,48,23
